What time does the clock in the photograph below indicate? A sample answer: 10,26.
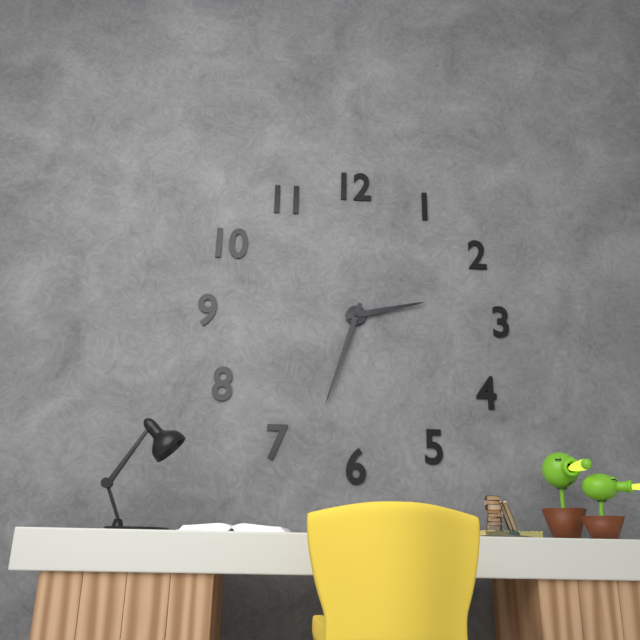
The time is 2,33
